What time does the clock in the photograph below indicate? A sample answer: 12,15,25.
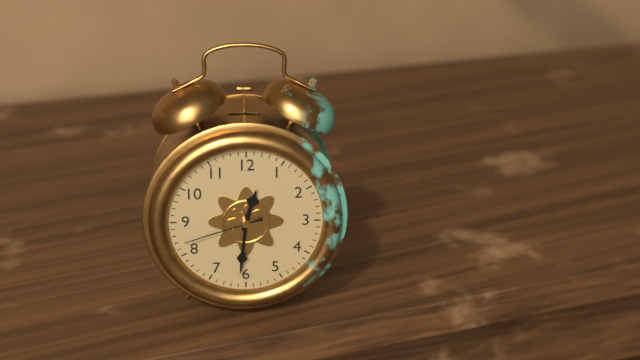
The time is 12,31,42
